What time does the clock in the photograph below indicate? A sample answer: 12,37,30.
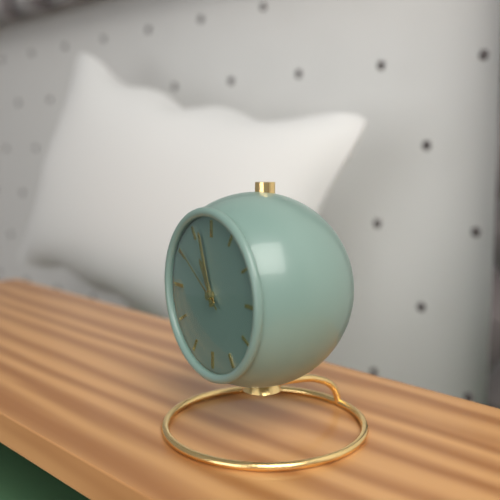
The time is 10,57,51
